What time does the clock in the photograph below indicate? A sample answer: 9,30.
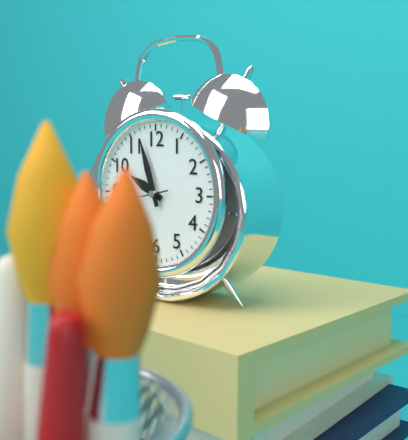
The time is 9,57
